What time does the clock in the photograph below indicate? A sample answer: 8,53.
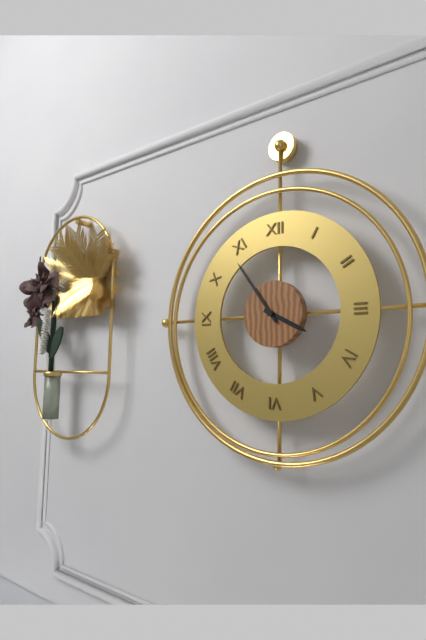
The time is 3,54
